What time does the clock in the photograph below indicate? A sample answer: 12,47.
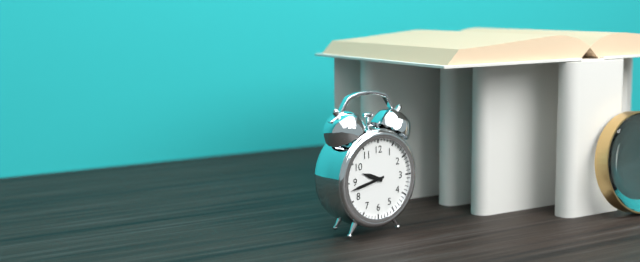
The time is 9,43
